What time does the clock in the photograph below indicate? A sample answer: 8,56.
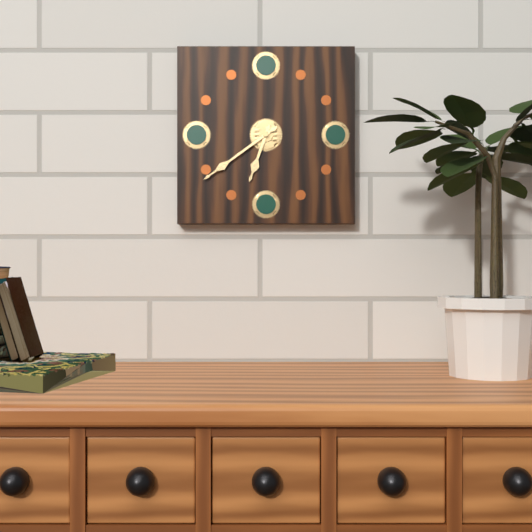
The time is 6,39
